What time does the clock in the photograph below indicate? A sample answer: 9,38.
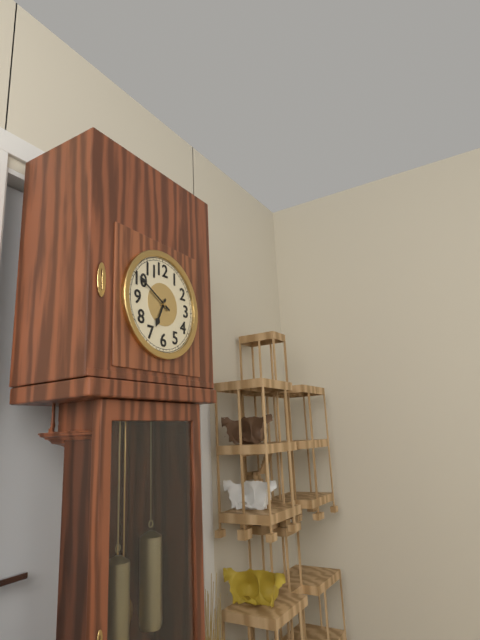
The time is 6,50
